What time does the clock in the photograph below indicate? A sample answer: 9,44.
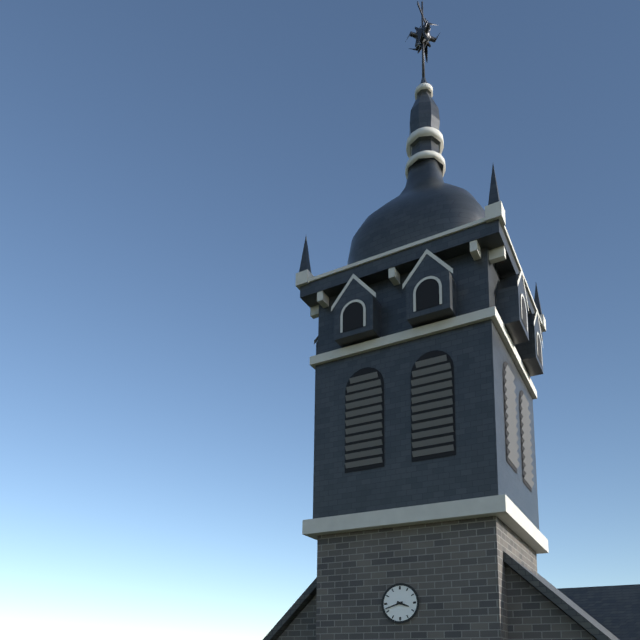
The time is 3,42
